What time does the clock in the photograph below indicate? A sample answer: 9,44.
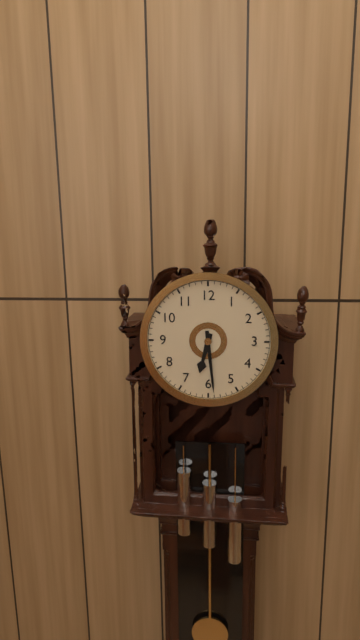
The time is 6,29
